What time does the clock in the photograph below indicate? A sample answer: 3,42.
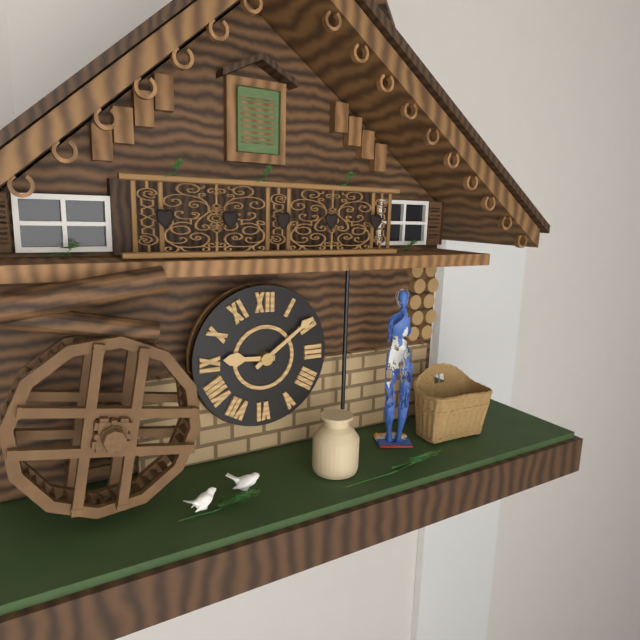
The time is 9,09
